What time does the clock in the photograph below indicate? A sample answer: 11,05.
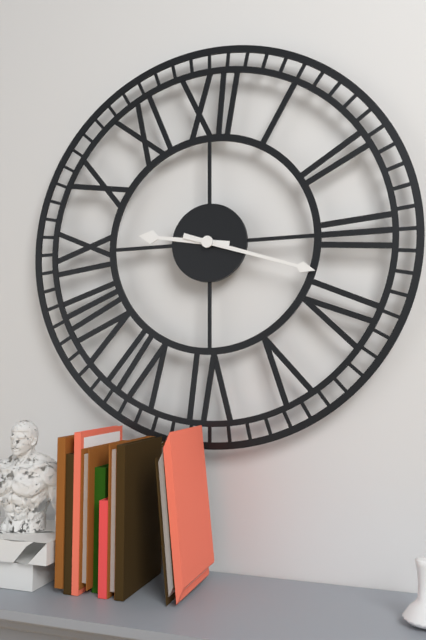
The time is 9,18
